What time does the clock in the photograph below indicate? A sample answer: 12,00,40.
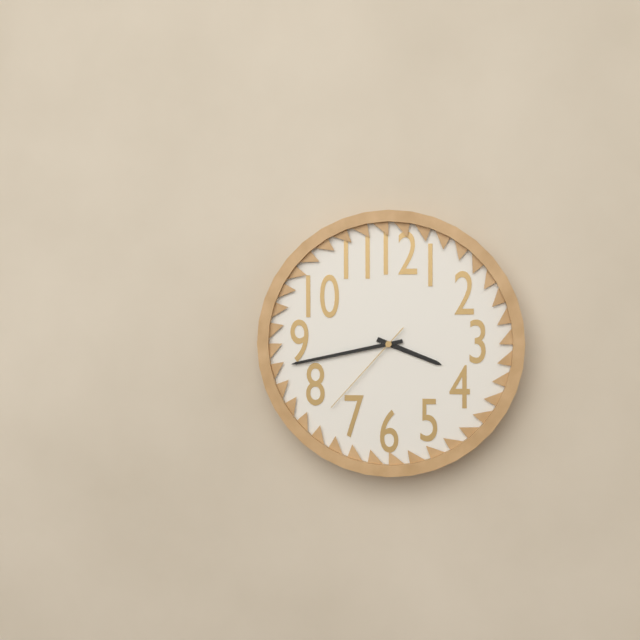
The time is 3,43,37
